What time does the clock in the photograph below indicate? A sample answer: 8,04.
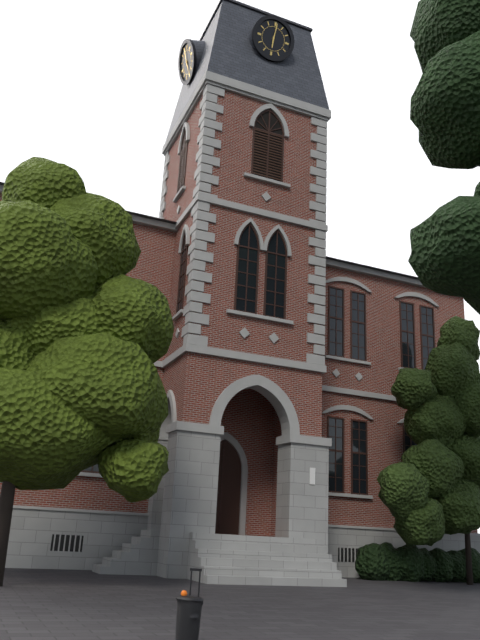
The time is 6,01
